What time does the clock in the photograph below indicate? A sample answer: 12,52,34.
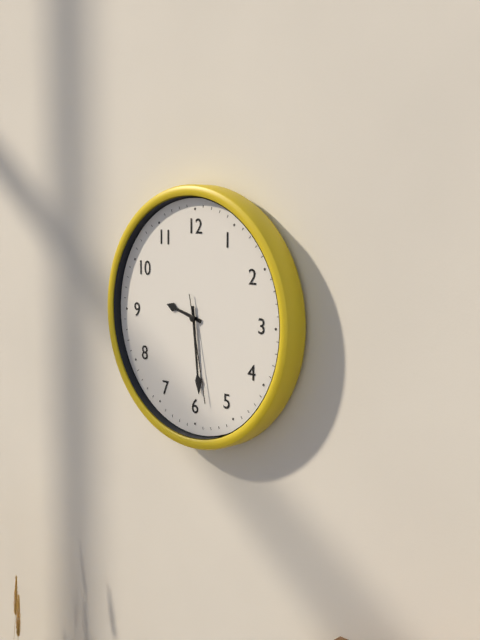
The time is 9,29,28
